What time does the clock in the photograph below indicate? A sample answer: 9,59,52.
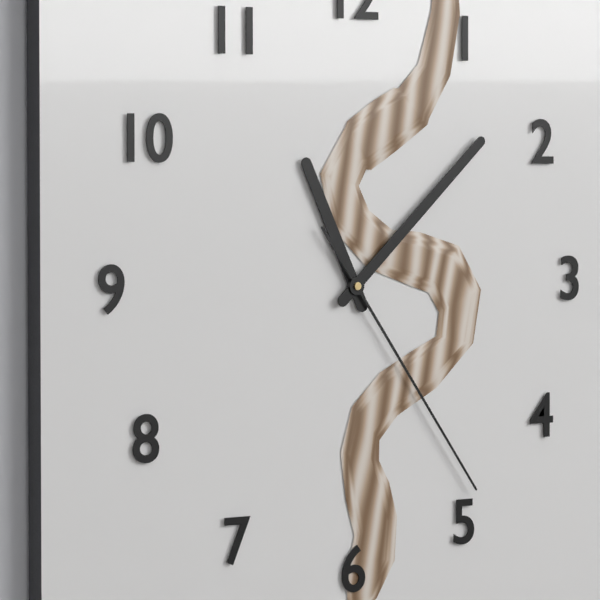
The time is 11,08,24
